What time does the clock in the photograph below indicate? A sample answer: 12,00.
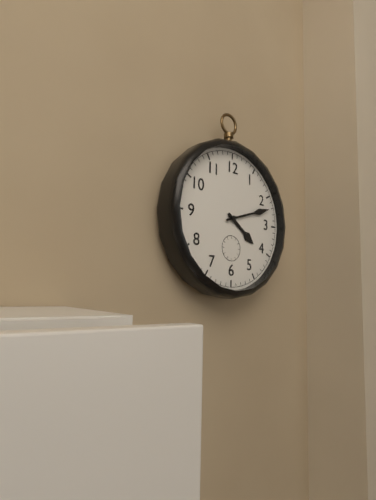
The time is 4,12
